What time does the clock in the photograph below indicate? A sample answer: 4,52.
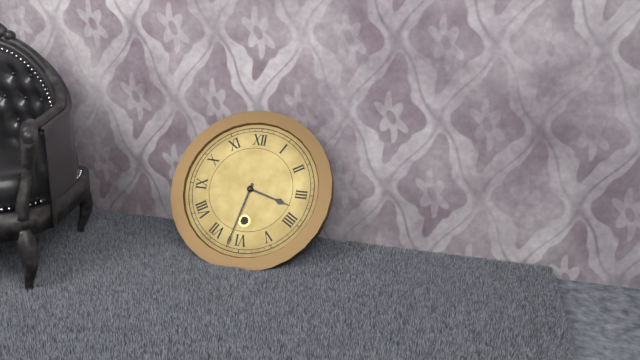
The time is 3,32
